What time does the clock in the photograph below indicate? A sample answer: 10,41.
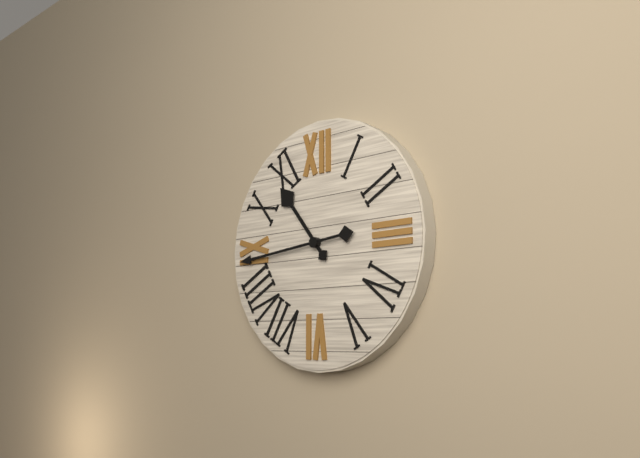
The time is 10,44
